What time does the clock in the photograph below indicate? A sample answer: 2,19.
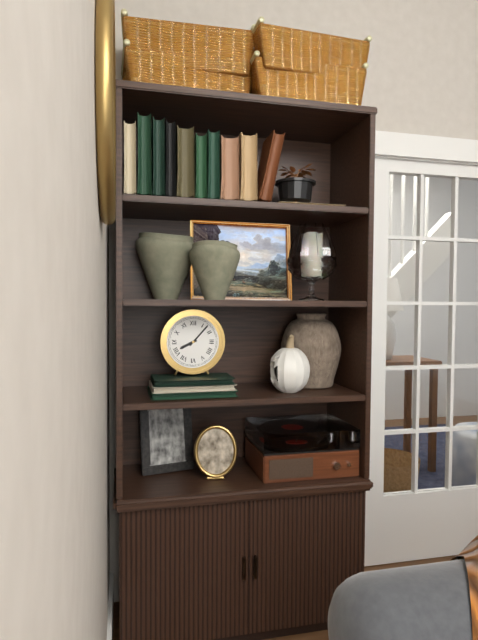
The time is 8,07
